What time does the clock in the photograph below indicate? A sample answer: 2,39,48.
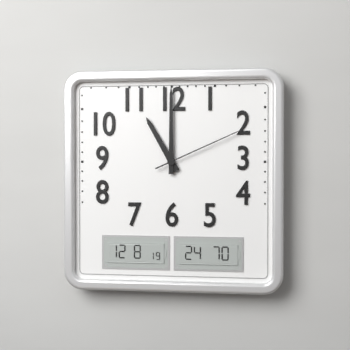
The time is 11,00,11
